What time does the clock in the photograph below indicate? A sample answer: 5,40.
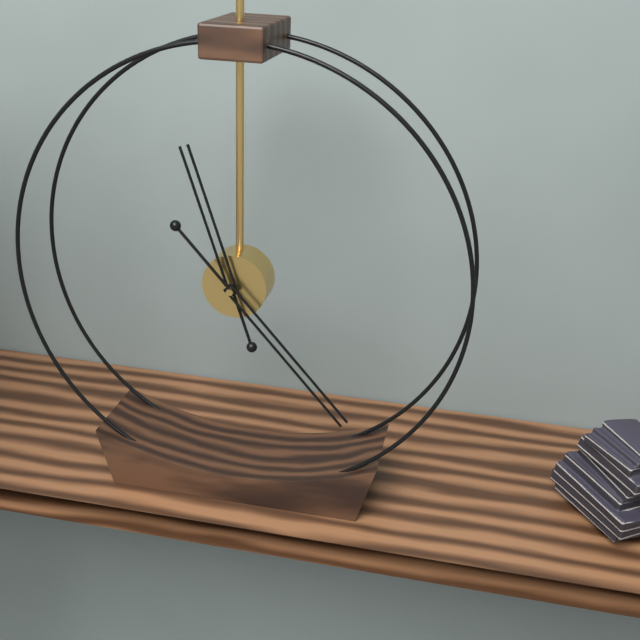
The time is 11,23
